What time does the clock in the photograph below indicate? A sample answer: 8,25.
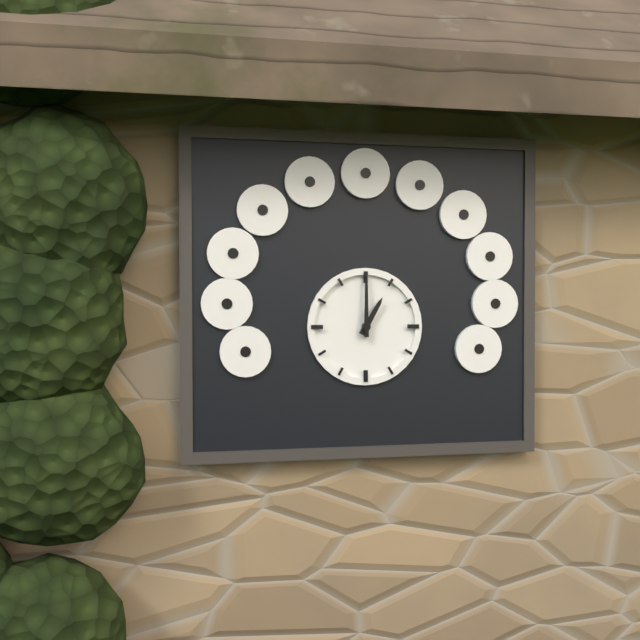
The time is 1,00
